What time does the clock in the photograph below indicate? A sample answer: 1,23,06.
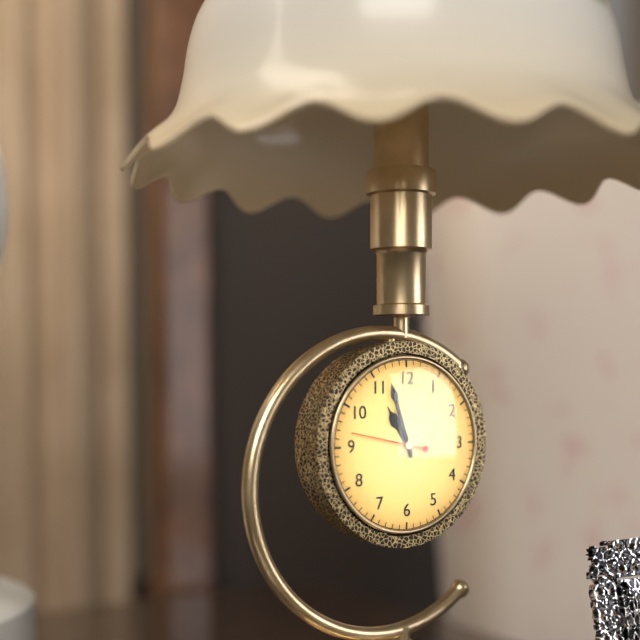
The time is 10,57,47
